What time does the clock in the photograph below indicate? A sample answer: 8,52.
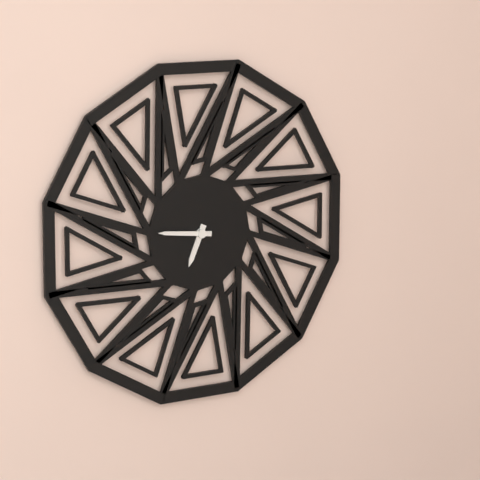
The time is 6,46
